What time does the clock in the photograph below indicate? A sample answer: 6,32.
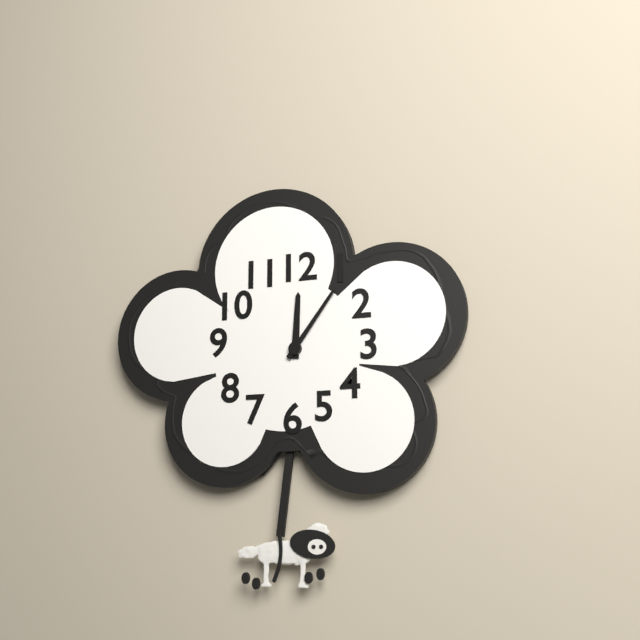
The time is 12,06
